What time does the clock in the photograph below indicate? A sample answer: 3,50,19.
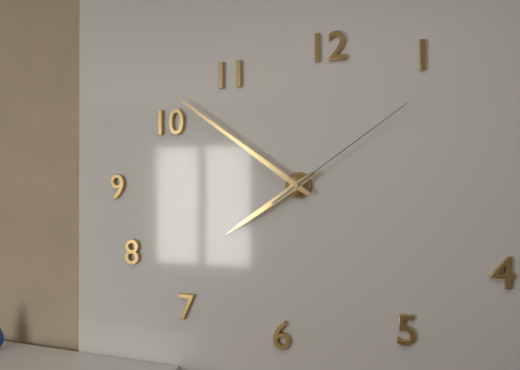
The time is 7,51,09
